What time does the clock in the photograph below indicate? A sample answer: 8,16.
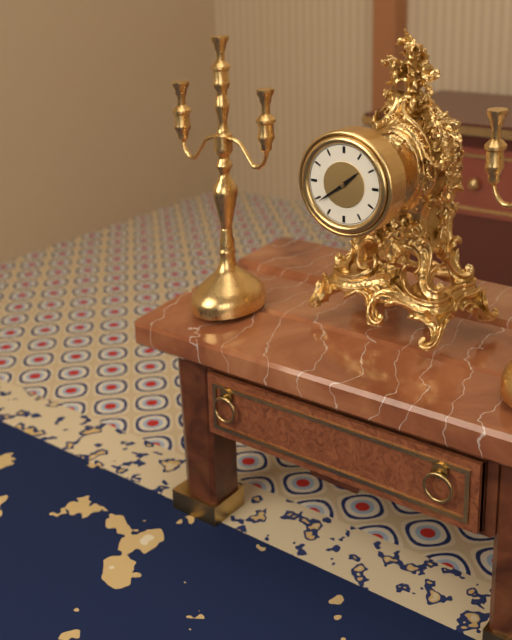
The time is 1,39
